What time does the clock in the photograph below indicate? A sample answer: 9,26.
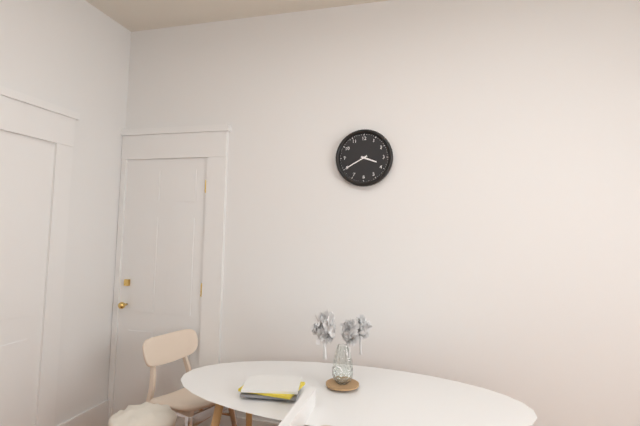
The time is 3,40
